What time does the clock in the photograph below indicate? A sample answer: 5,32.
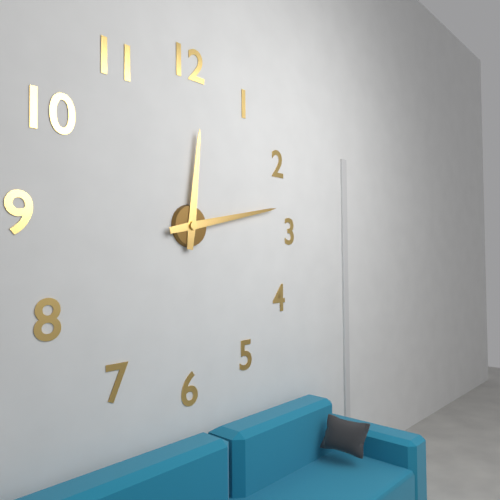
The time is 12,13
